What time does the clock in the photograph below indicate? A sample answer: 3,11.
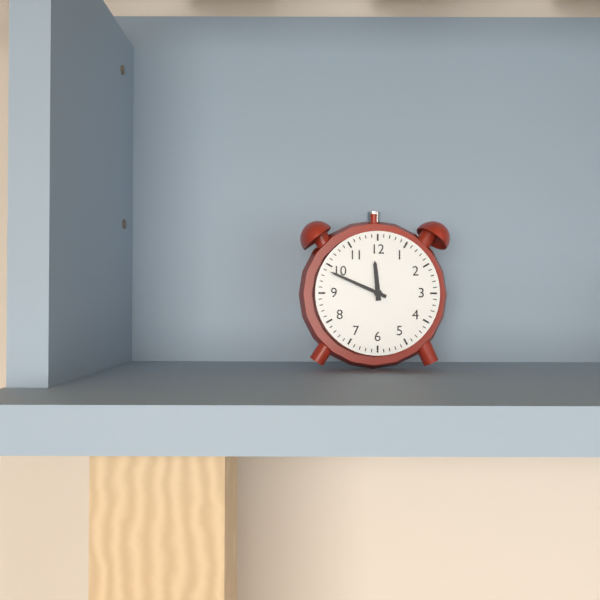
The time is 11,49
